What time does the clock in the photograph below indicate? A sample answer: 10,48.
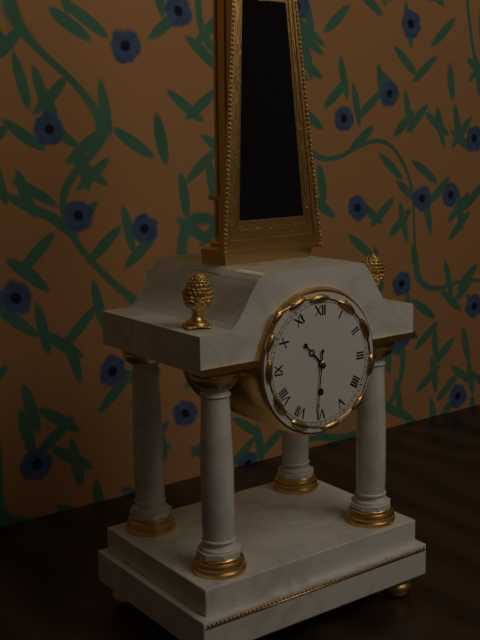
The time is 10,31
